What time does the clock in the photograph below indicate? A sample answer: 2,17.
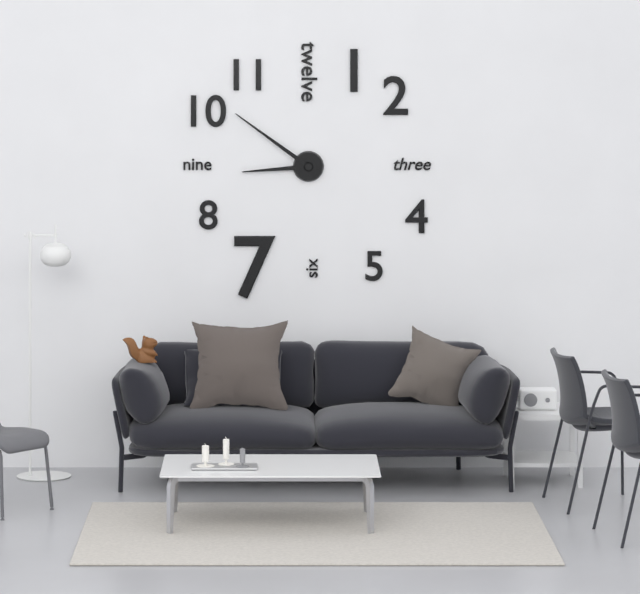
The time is 8,51
